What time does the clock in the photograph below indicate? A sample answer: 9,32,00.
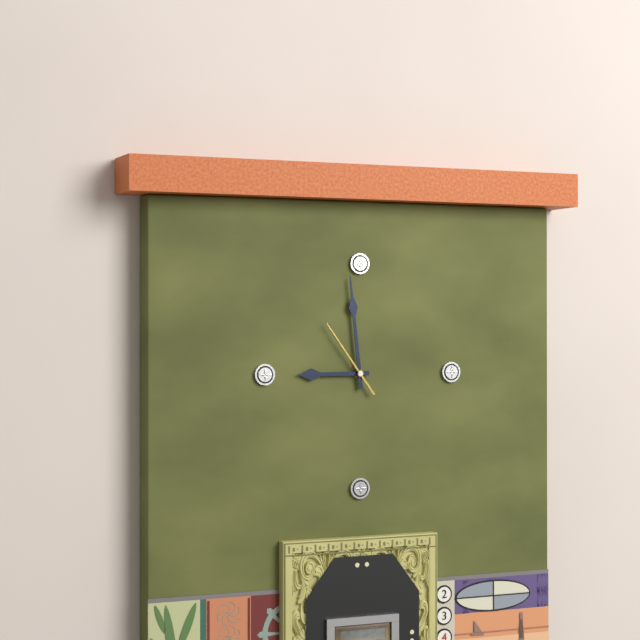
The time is 8,59,54
